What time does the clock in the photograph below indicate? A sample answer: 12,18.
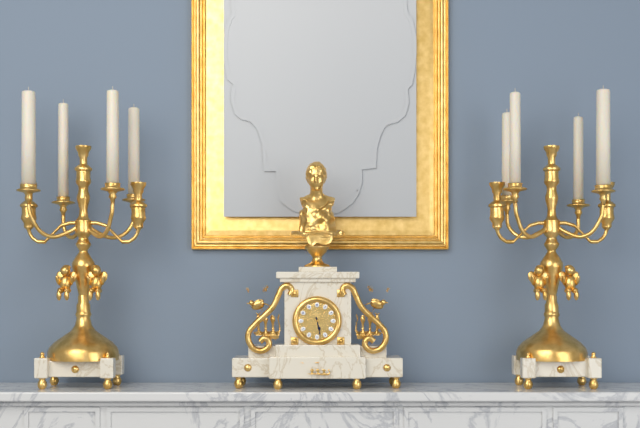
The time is 5,28
